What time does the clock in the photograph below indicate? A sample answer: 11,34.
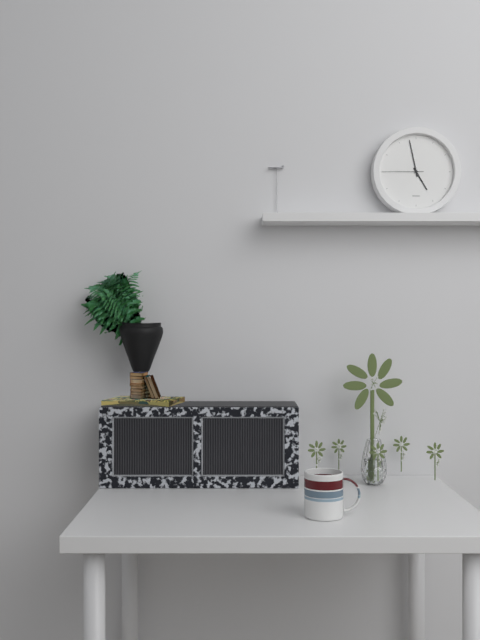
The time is 4,58
